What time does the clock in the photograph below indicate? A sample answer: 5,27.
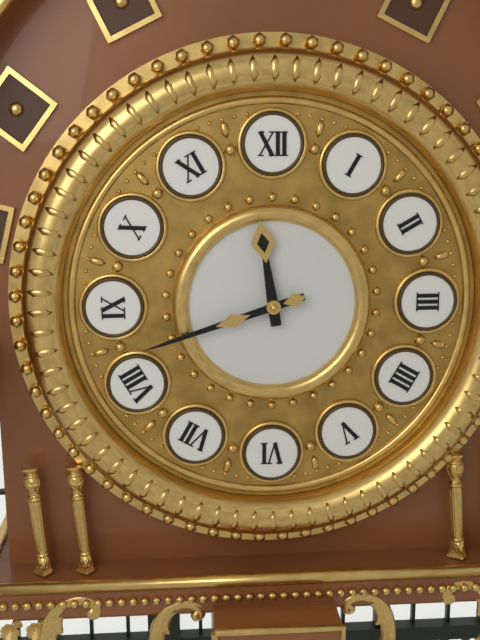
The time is 11,42
